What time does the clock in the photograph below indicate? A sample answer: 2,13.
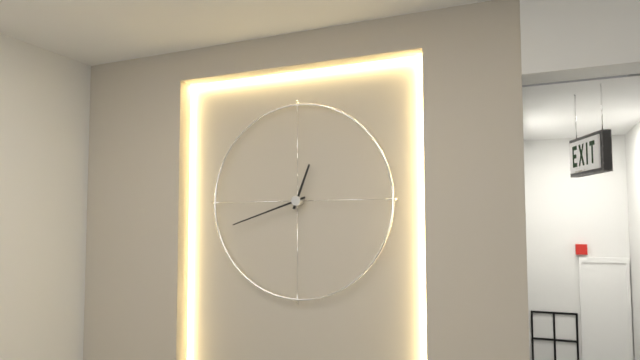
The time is 12,42
